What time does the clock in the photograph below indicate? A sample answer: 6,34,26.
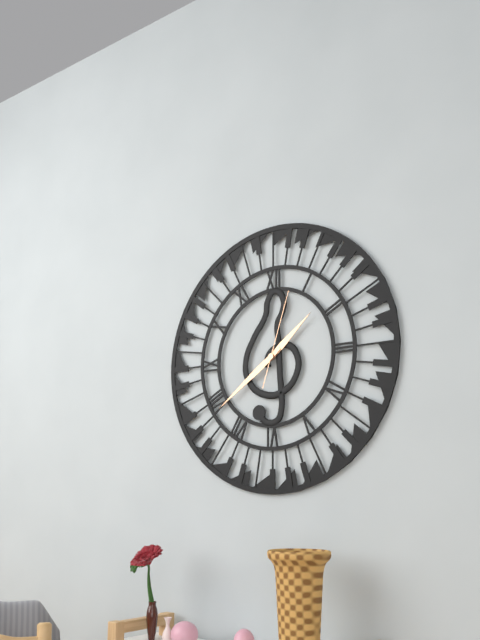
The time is 1,39,03
